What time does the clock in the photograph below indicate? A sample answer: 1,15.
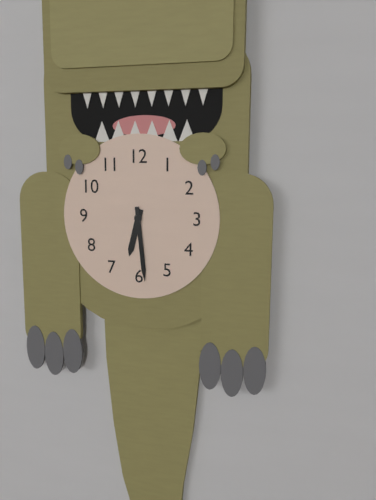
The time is 6,29
